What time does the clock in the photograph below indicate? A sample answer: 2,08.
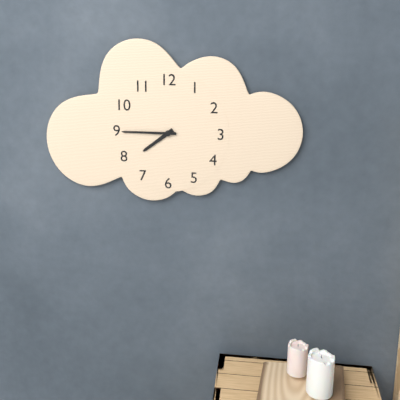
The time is 7,45
